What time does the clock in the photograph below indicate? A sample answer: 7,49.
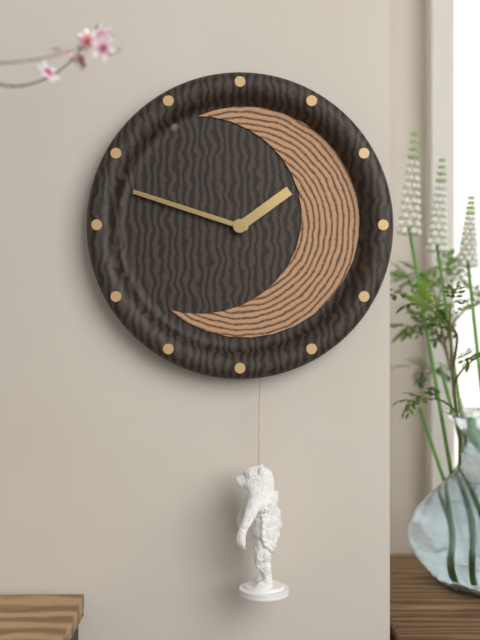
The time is 1,48
